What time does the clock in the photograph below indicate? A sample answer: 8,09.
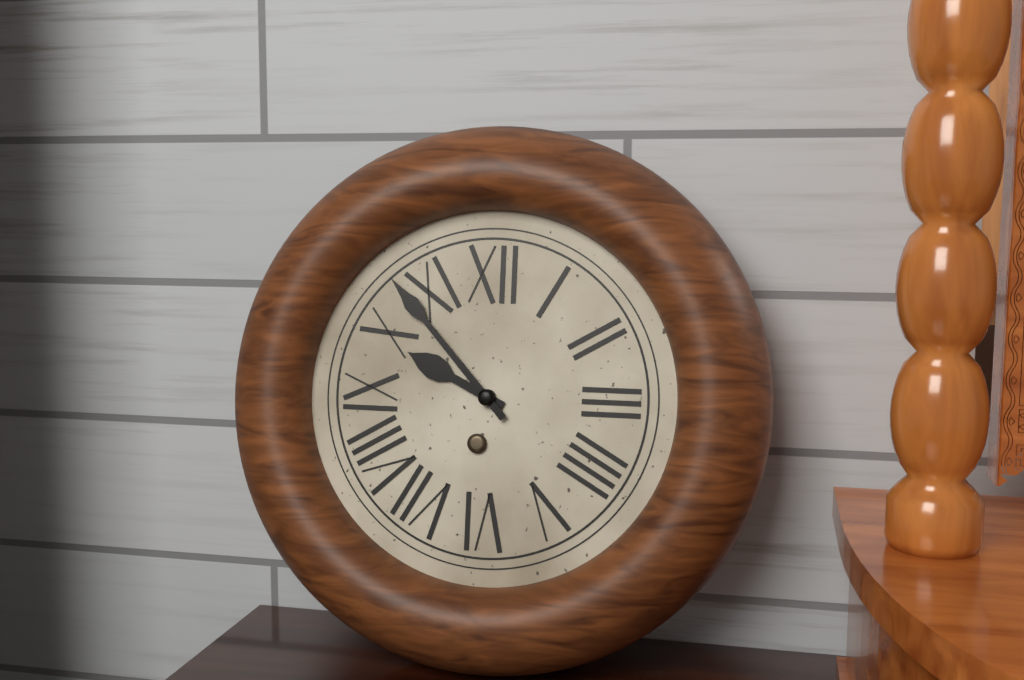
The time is 9,53
